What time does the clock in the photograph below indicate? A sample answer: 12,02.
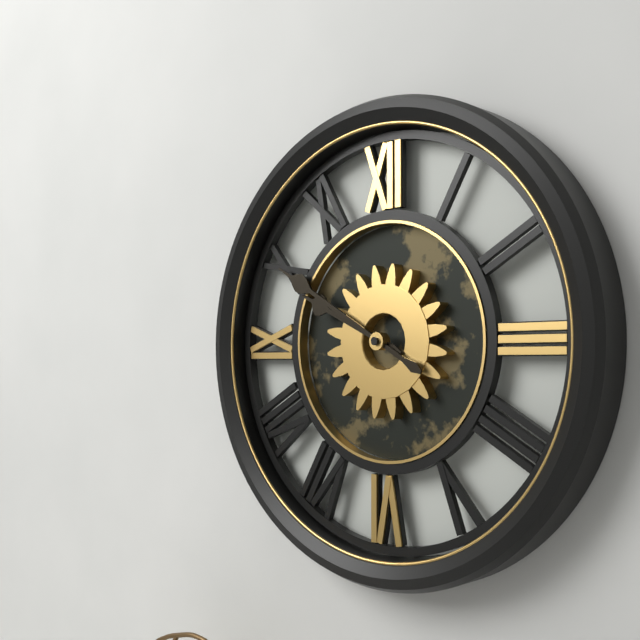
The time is 9,50
